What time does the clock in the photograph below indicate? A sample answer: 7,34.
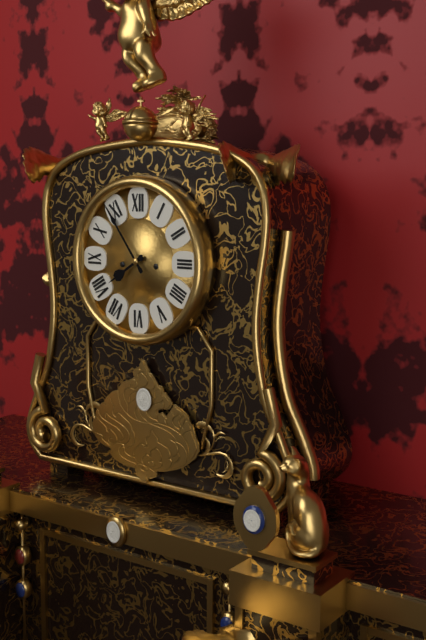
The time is 7,54
